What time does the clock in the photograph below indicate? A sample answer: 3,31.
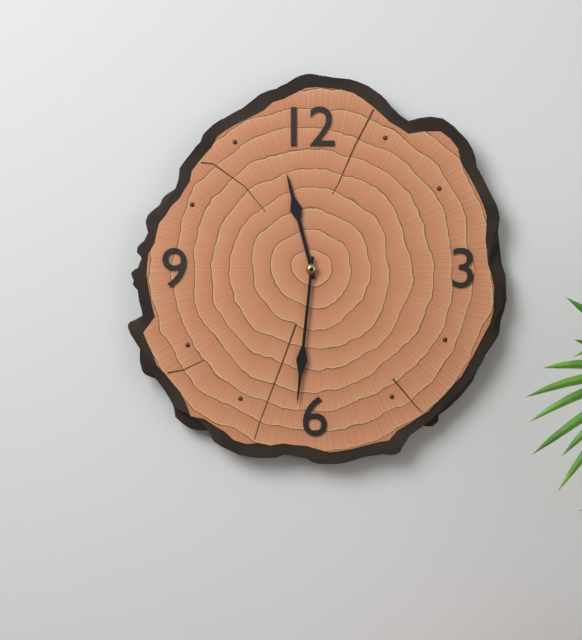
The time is 11,31
